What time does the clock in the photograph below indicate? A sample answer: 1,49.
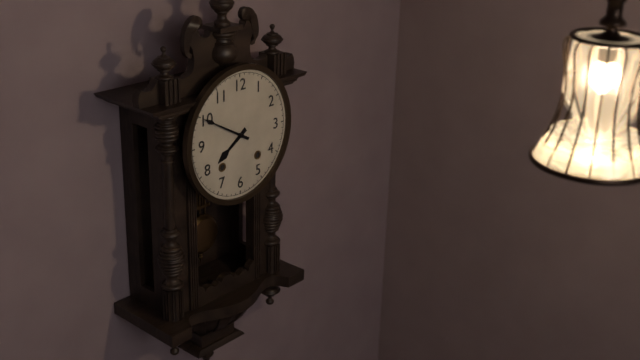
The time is 7,50
